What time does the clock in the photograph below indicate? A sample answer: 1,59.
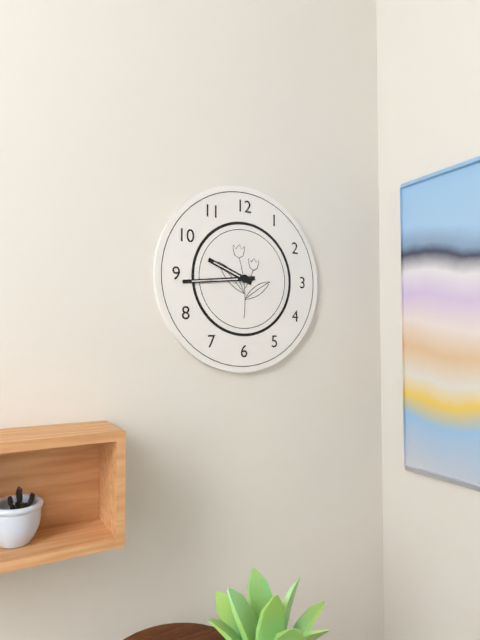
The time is 9,44
